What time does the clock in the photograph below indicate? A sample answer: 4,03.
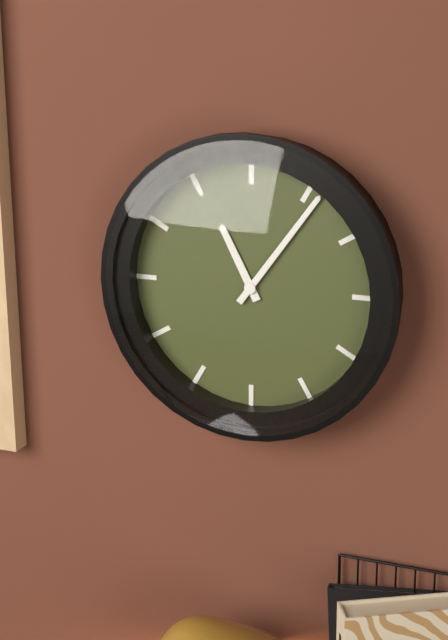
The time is 11,06
